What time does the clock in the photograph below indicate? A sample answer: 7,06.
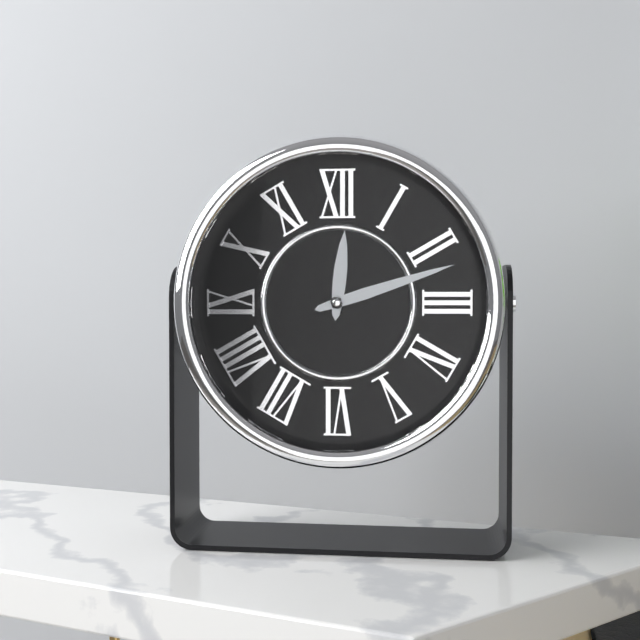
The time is 12,12
